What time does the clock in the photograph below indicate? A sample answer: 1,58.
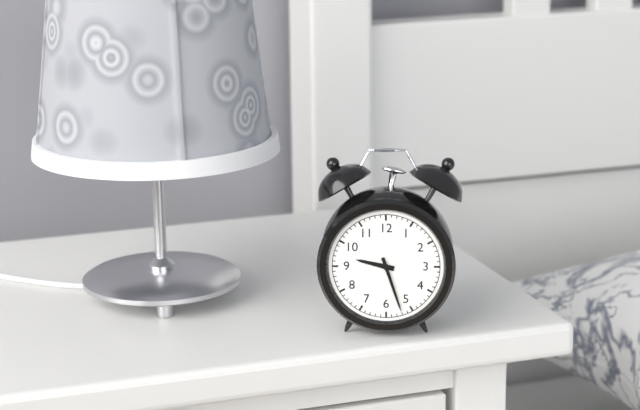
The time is 9,27
